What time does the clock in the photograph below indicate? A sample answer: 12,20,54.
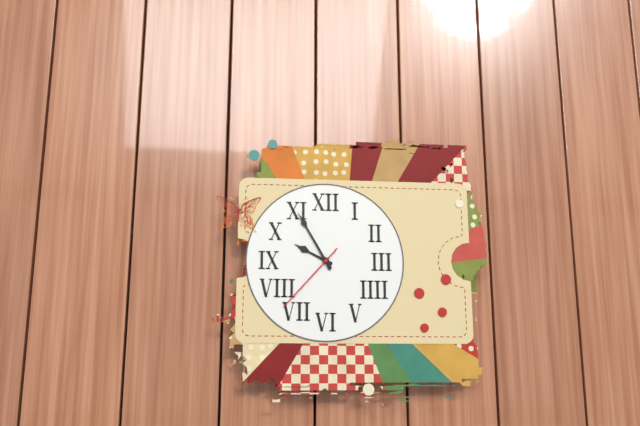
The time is 9,55,37
